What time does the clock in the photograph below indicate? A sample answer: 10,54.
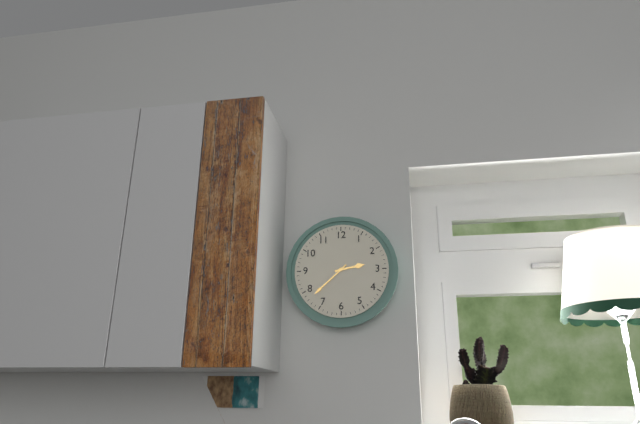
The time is 2,38
